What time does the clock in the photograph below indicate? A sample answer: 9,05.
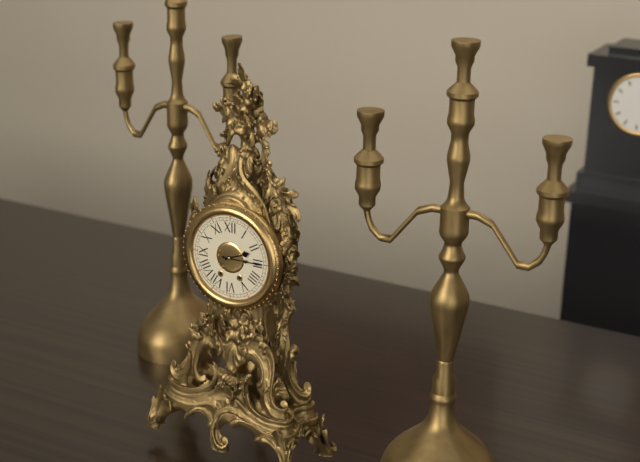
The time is 2,15
